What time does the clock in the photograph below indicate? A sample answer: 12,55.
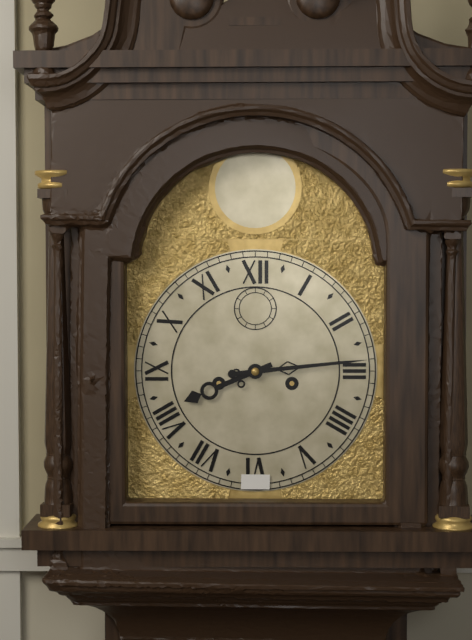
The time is 8,14
